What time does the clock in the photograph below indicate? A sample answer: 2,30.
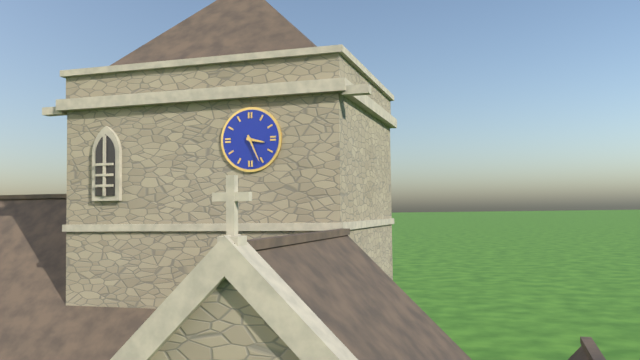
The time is 3,26
